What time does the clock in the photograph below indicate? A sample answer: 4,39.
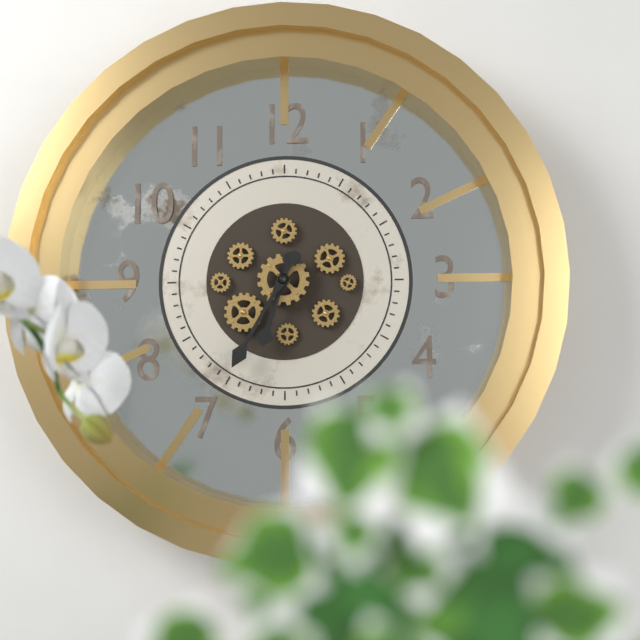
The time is 6,35
